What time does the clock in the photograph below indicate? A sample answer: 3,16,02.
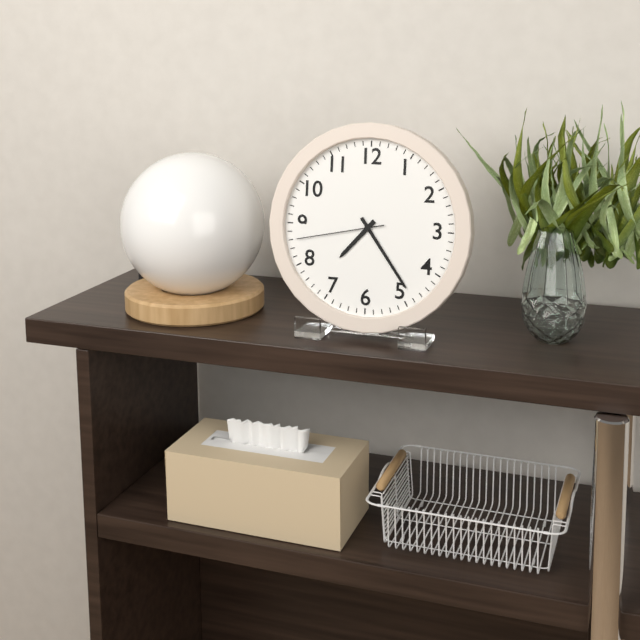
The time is 7,24,43
